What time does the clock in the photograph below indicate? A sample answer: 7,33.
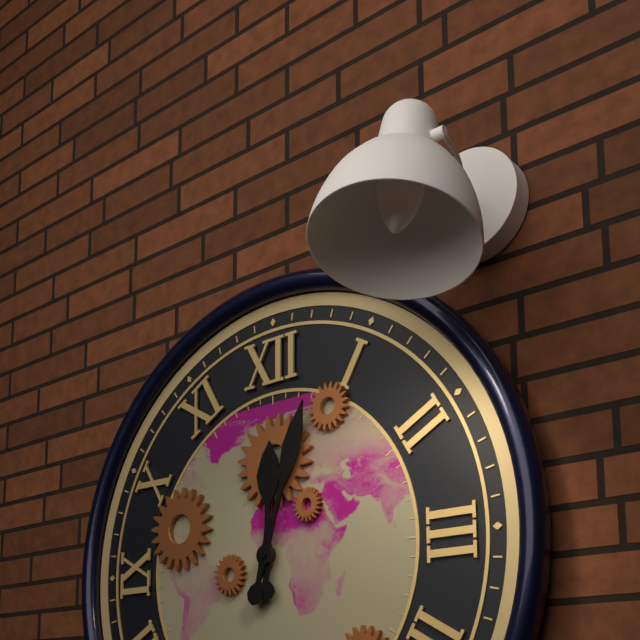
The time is 12,03
